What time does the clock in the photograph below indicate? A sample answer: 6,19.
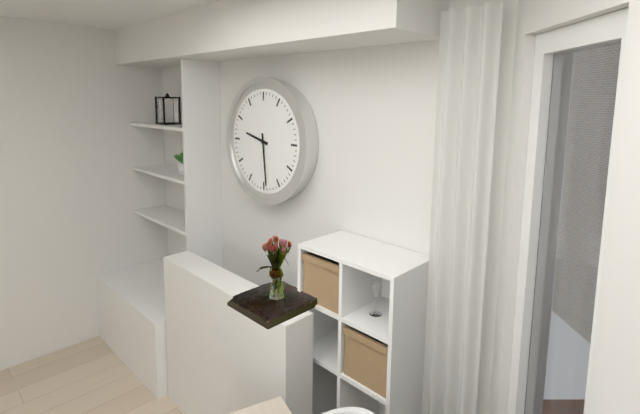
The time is 9,29
